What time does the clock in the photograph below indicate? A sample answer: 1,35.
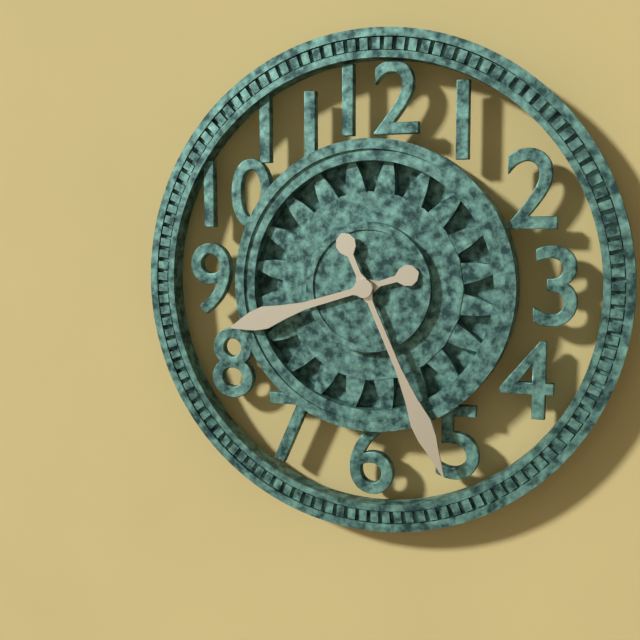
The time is 8,26
